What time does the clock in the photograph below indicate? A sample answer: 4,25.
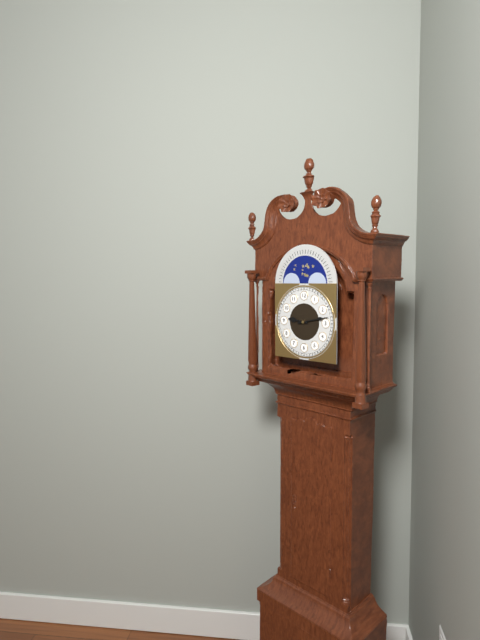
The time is 9,13
